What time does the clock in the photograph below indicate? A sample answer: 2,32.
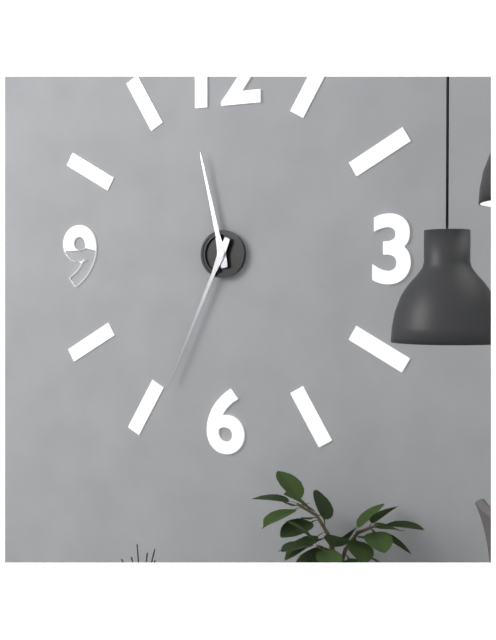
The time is 11,34
